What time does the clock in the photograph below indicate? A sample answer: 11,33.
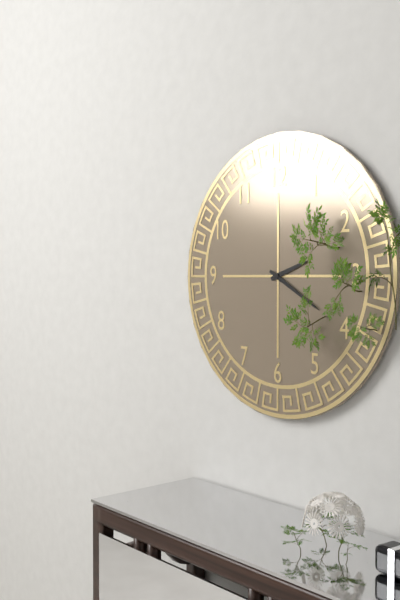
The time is 2,20
